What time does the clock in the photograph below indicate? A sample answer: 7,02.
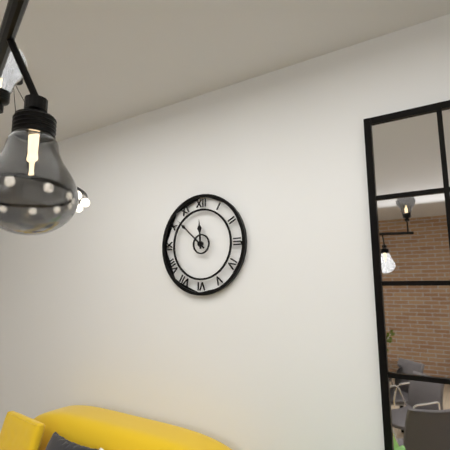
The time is 11,52
